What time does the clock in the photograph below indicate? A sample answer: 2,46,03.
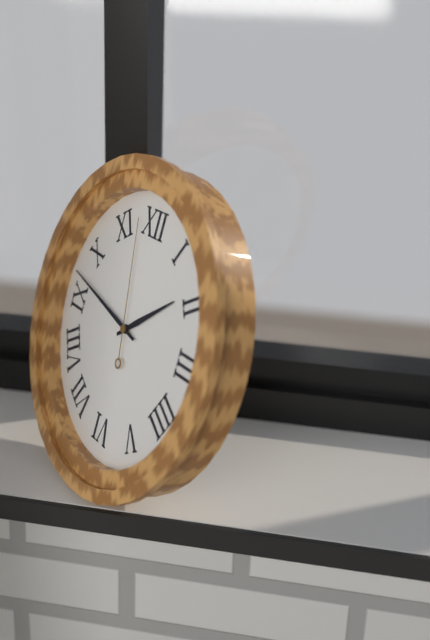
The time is 1,47,58
